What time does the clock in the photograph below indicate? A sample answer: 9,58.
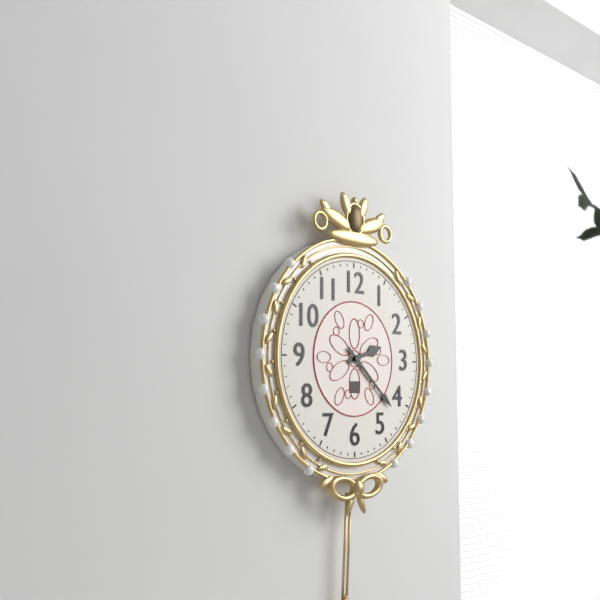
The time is 2,22
